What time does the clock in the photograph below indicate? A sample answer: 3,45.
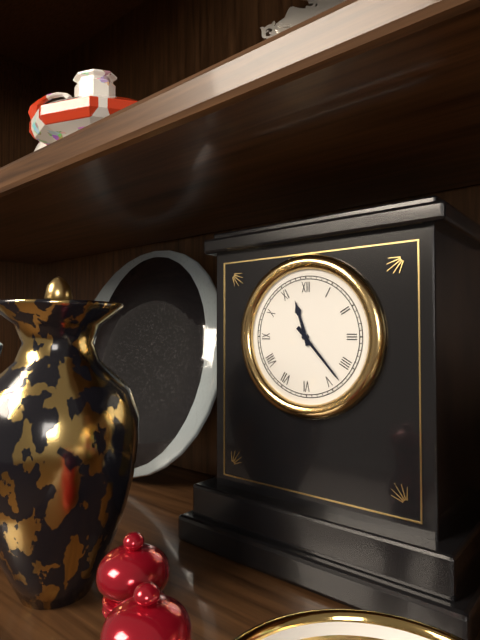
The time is 11,23
